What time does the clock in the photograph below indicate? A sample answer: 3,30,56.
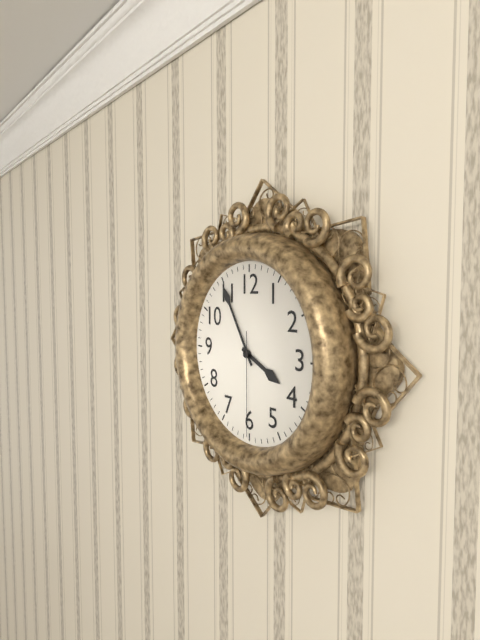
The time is 3,55,30
